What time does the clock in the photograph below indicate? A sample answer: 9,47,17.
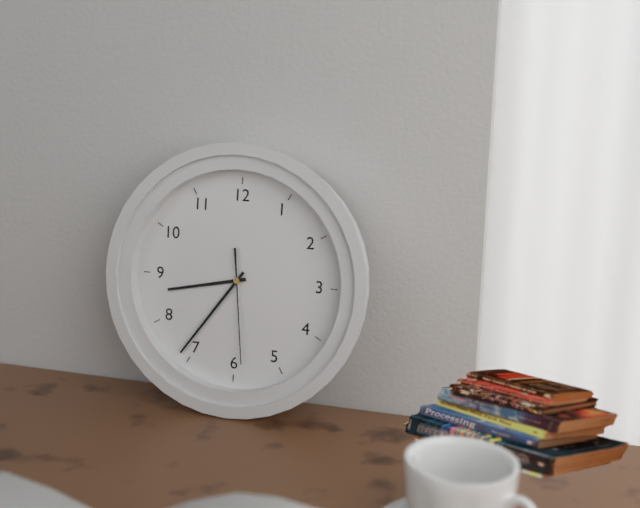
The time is 8,36,29
